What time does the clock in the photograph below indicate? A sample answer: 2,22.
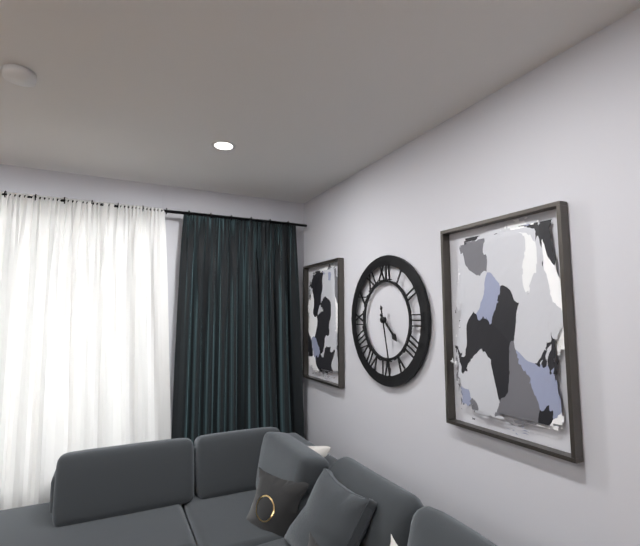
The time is 4,28
